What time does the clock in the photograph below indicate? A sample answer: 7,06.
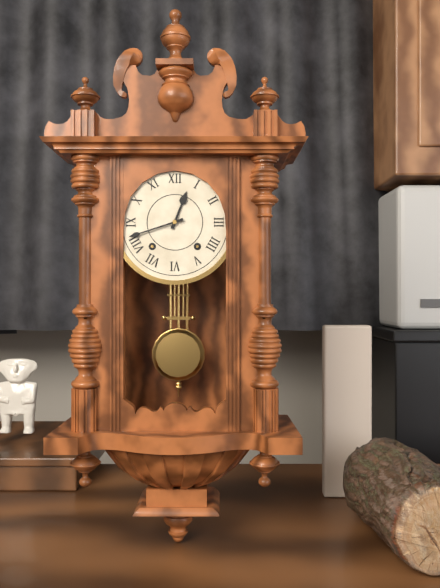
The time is 12,42
